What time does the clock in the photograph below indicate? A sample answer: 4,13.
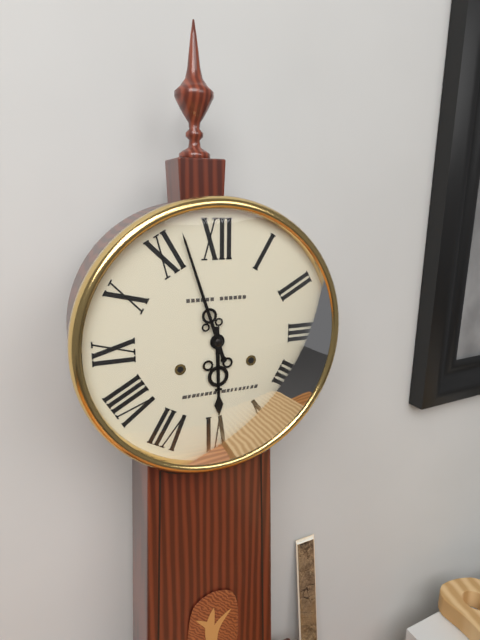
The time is 5,57
